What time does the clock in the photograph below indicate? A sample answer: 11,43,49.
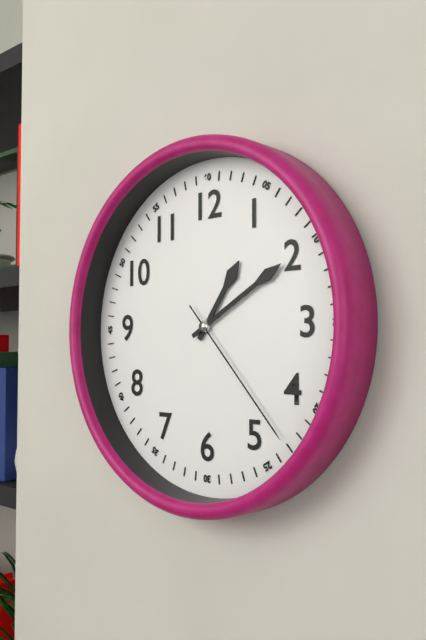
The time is 1,10,23
